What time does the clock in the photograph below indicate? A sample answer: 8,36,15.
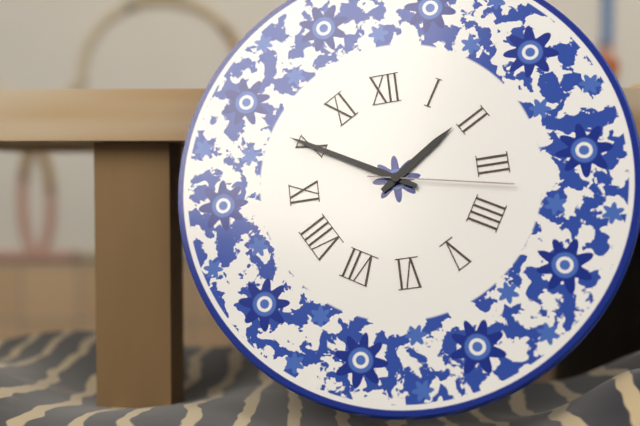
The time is 1,50,17
